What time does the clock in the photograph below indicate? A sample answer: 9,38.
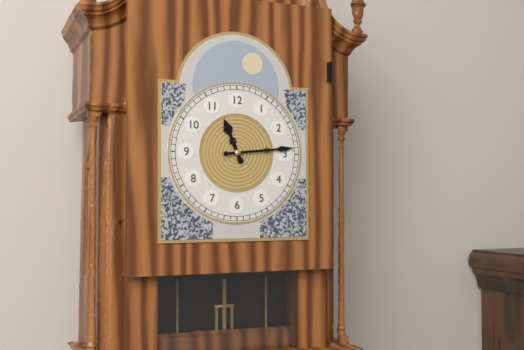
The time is 11,14
